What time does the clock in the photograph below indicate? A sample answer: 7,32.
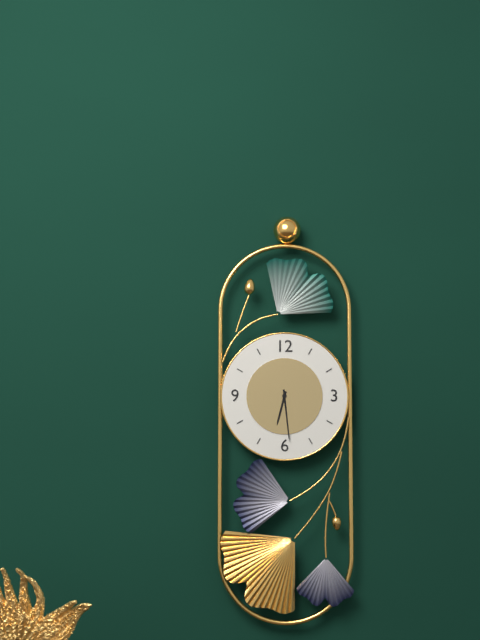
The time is 6,29
